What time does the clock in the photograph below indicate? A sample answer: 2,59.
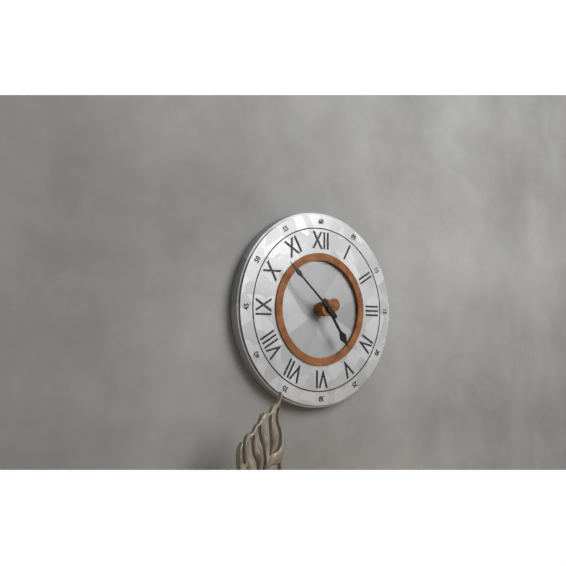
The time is 4,52
